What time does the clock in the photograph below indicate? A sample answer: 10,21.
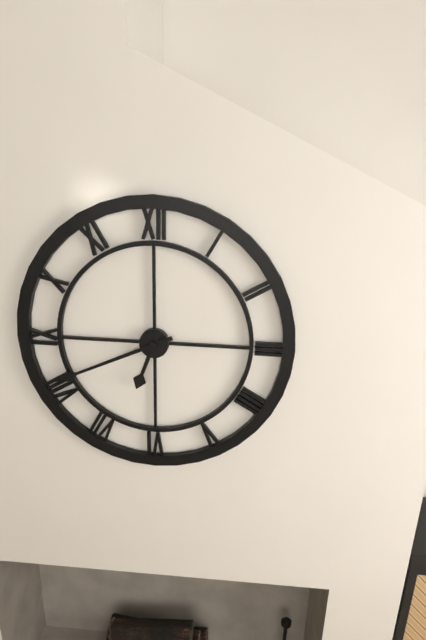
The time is 6,41
